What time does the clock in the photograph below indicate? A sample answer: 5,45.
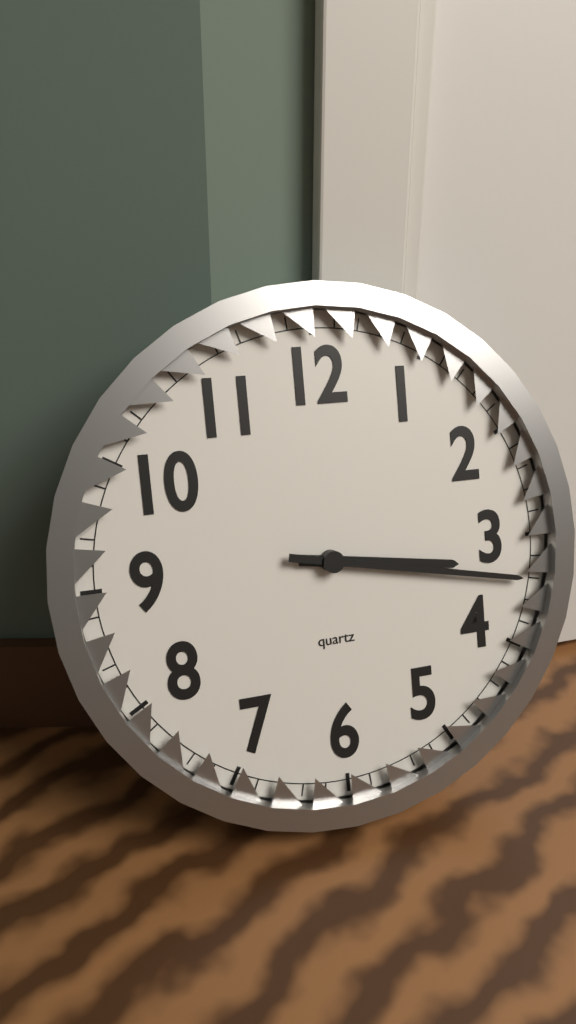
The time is 3,17
